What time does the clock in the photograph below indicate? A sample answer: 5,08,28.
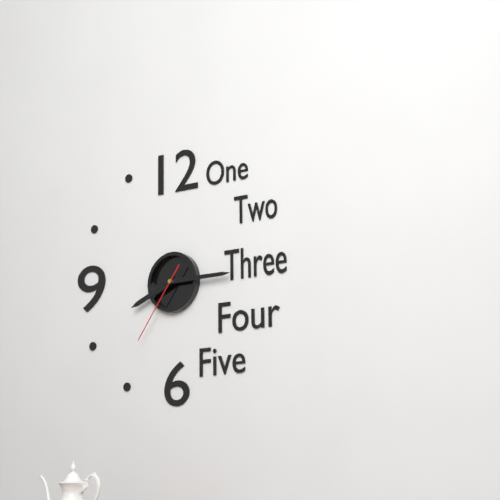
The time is 8,15,36
